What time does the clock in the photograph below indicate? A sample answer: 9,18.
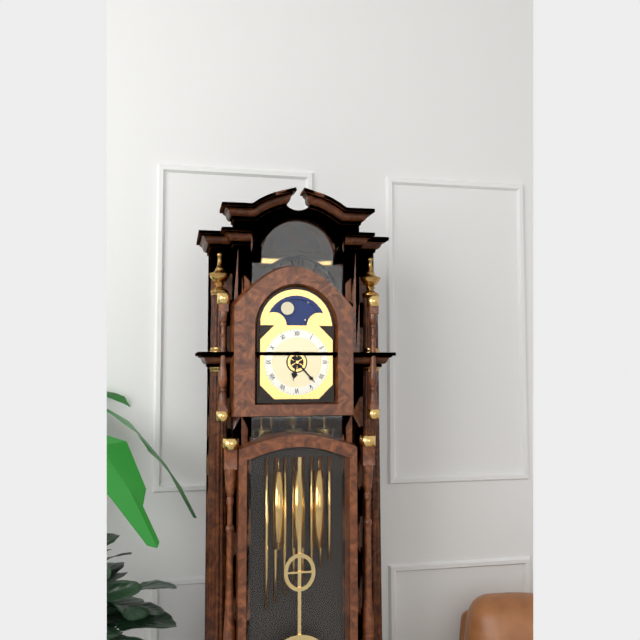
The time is 6,23
